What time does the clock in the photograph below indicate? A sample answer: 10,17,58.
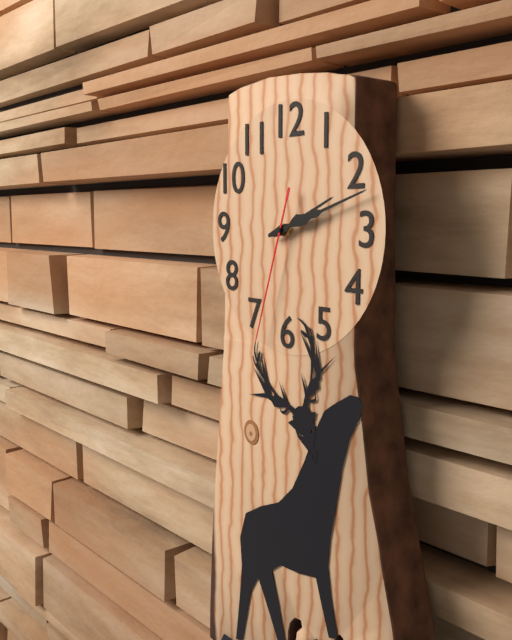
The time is 2,12,33
